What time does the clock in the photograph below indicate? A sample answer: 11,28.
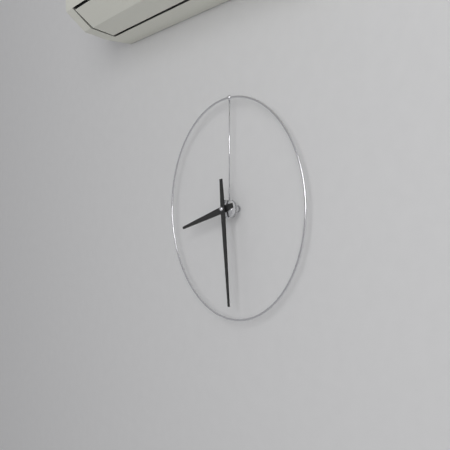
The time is 8,29
